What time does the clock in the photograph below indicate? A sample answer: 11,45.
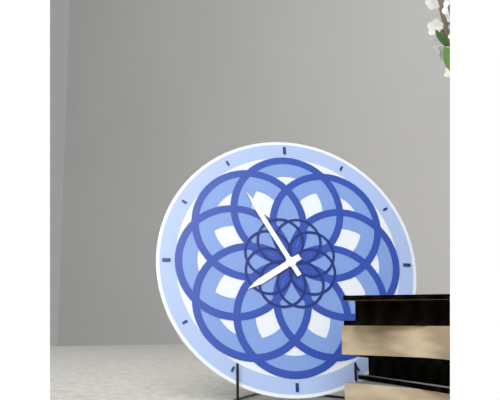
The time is 7,55
